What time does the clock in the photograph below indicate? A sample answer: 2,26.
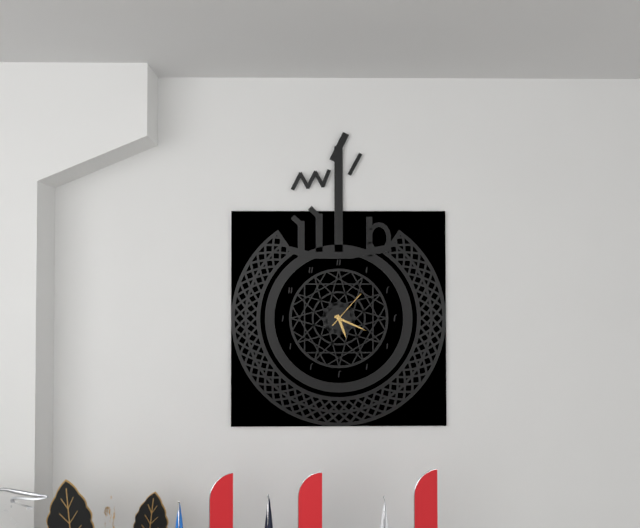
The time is 5,19
